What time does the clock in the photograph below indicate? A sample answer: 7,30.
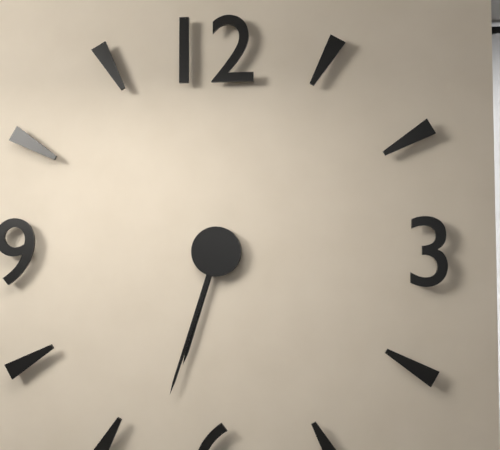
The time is 6,33
